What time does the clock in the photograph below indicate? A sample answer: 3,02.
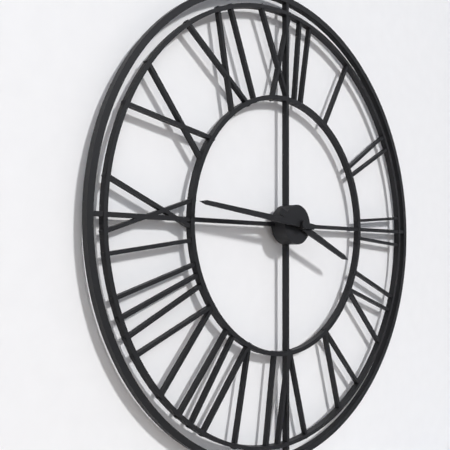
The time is 3,46
